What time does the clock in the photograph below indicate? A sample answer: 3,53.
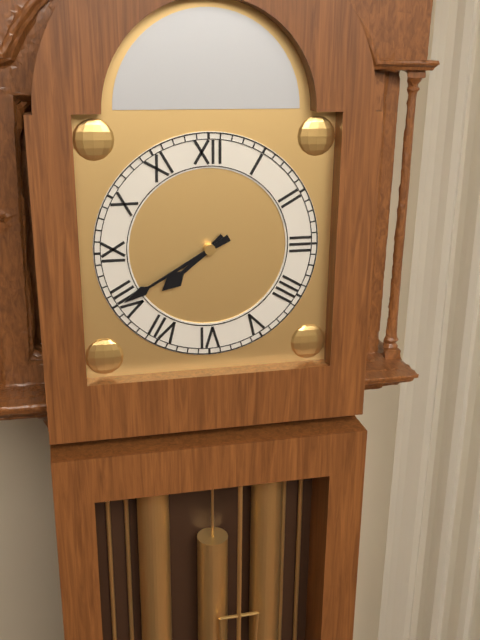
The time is 7,40
